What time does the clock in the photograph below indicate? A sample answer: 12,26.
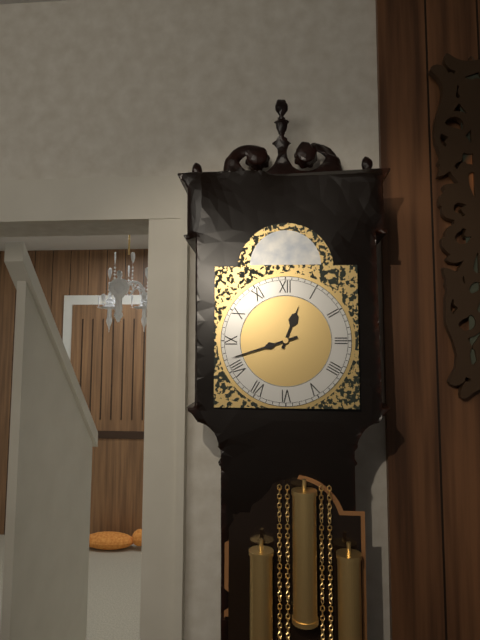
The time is 12,42
